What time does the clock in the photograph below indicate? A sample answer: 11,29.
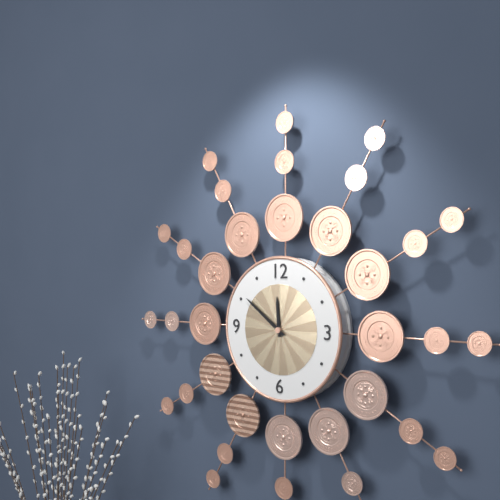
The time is 11,51
